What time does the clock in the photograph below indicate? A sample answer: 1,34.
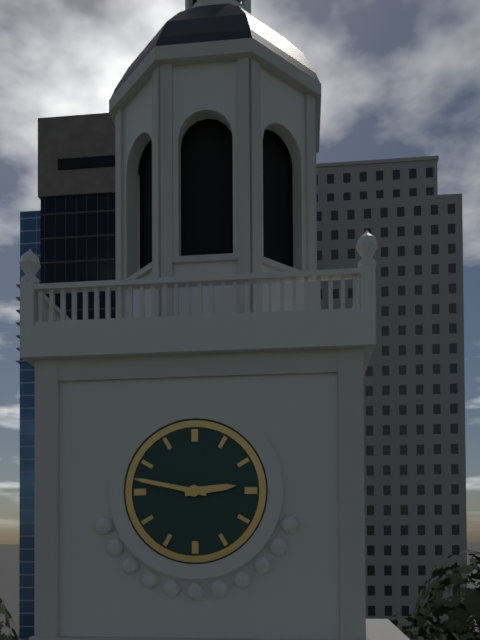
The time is 2,47
